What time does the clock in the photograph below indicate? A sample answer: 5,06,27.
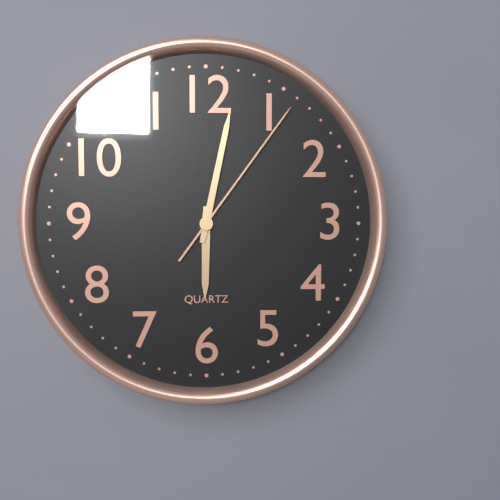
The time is 6,02,06
